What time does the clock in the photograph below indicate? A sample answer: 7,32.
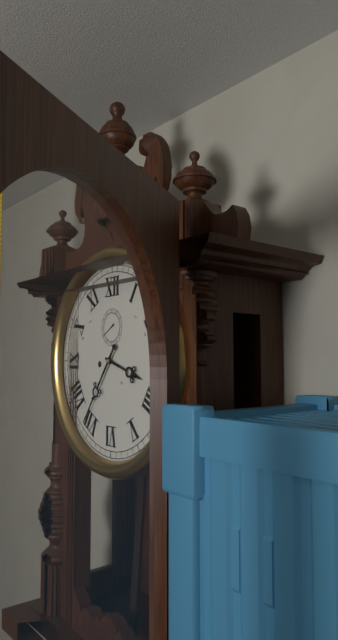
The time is 3,36
